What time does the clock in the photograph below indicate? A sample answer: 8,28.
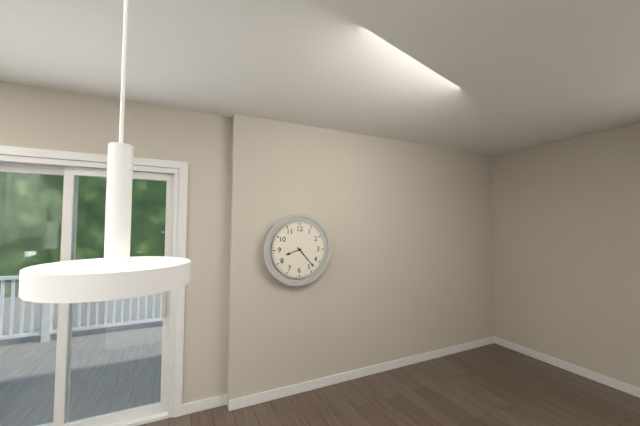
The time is 8,23
